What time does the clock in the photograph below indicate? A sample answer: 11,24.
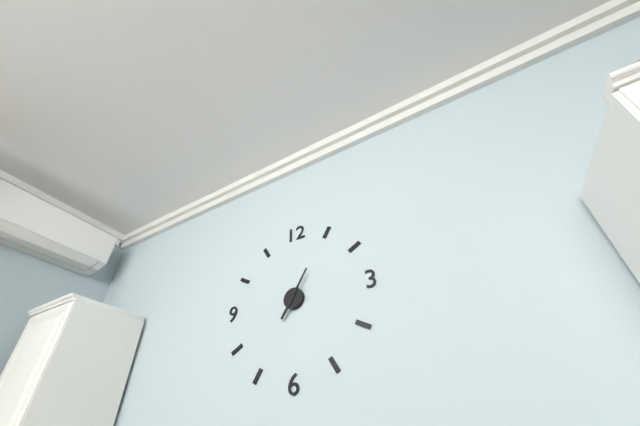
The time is 7,05
